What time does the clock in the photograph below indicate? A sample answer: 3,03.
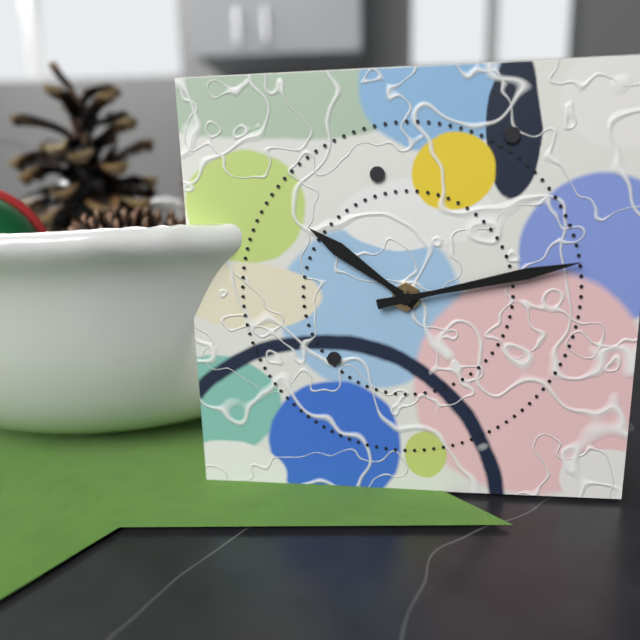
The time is 10,13
